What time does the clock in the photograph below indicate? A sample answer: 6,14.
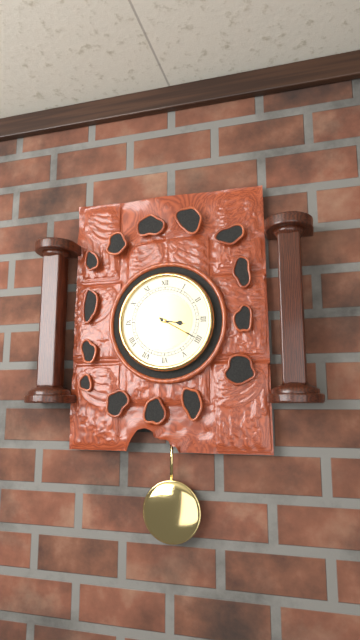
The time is 3,20
